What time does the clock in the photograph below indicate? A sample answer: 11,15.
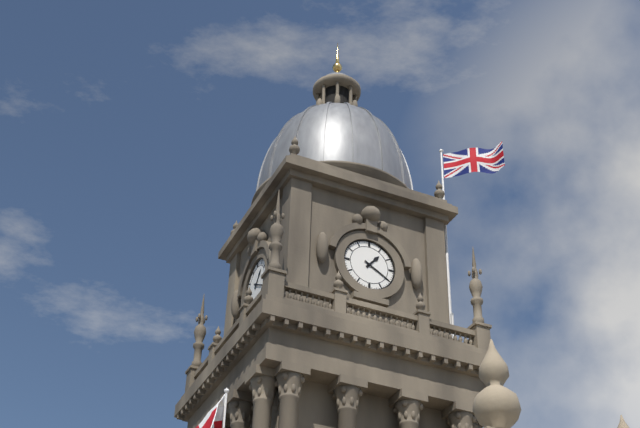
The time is 1,20
